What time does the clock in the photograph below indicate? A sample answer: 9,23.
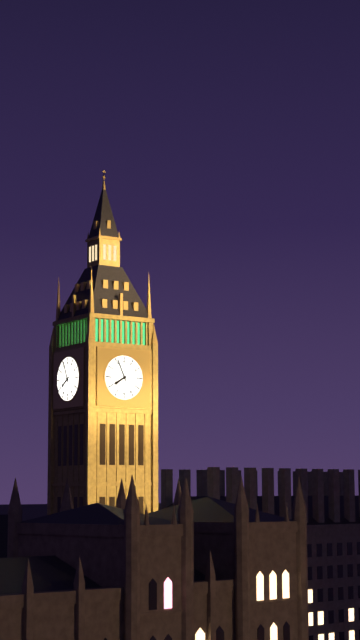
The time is 7,56
